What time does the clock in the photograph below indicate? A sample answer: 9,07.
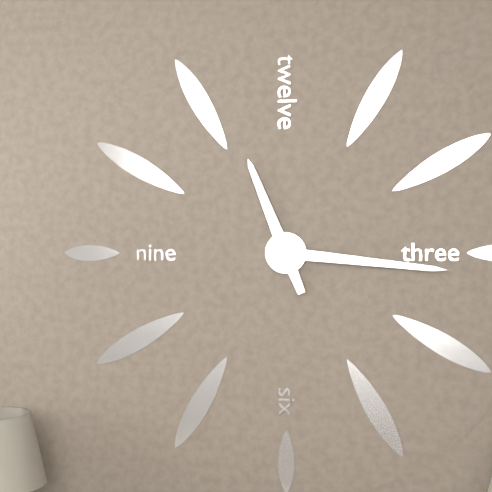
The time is 11,16
